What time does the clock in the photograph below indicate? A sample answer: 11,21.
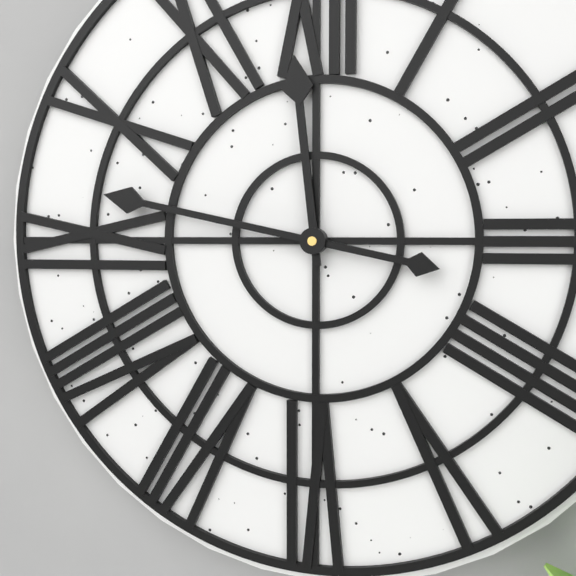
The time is 11,47
